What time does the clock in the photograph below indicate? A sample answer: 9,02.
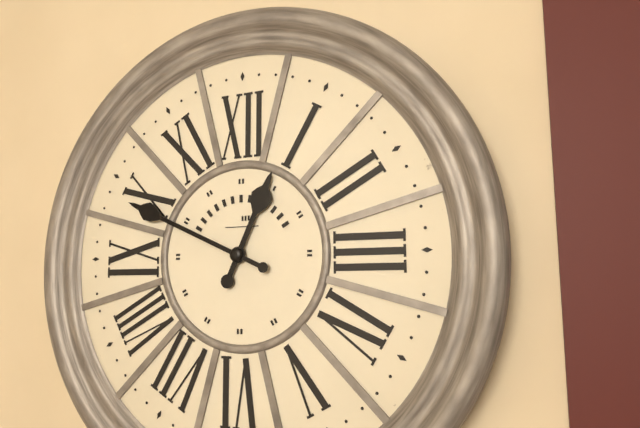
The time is 12,49
